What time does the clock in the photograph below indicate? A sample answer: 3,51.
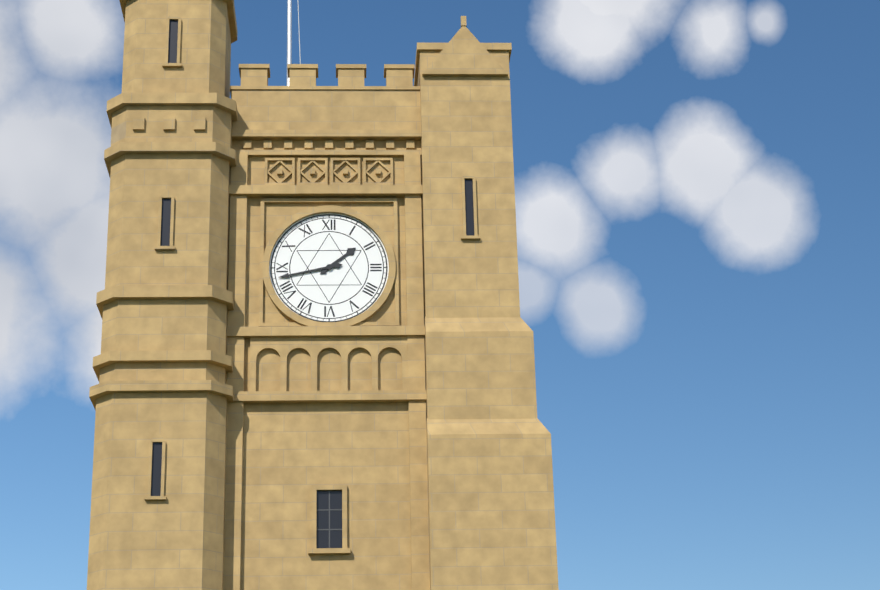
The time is 1,43
